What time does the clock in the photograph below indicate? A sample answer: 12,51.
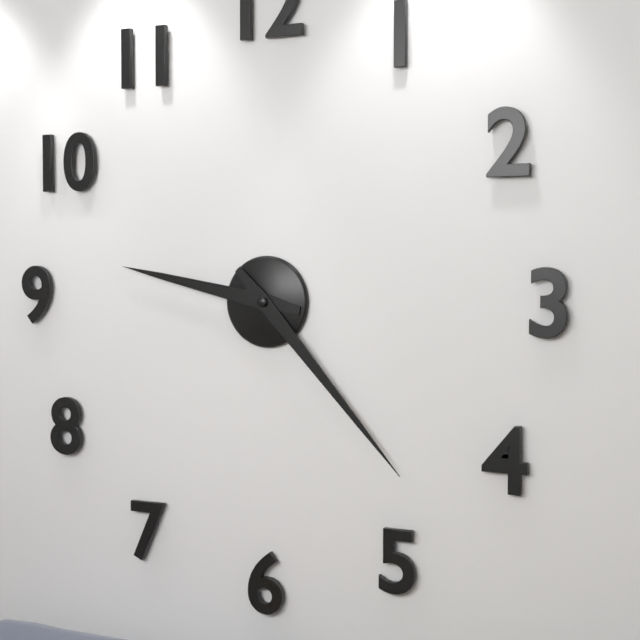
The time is 9,23
